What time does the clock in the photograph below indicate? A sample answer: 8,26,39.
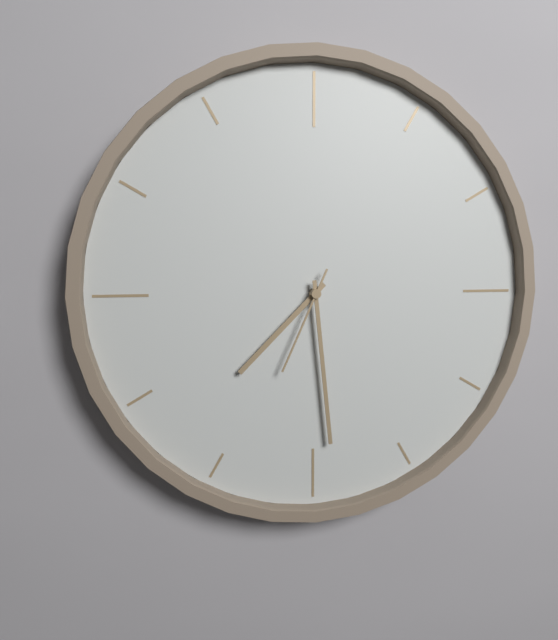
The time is 7,29,34
